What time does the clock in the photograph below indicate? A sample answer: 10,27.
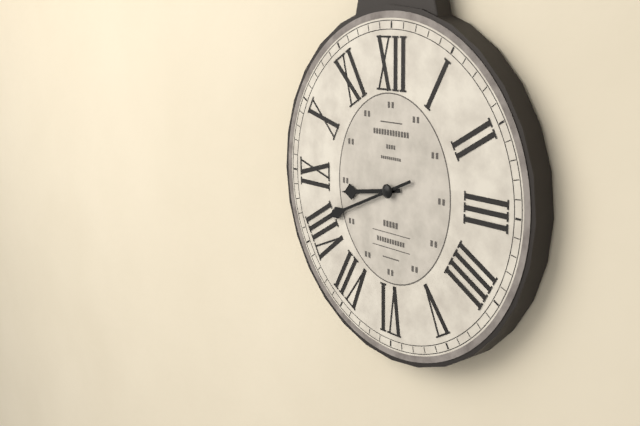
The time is 8,41
